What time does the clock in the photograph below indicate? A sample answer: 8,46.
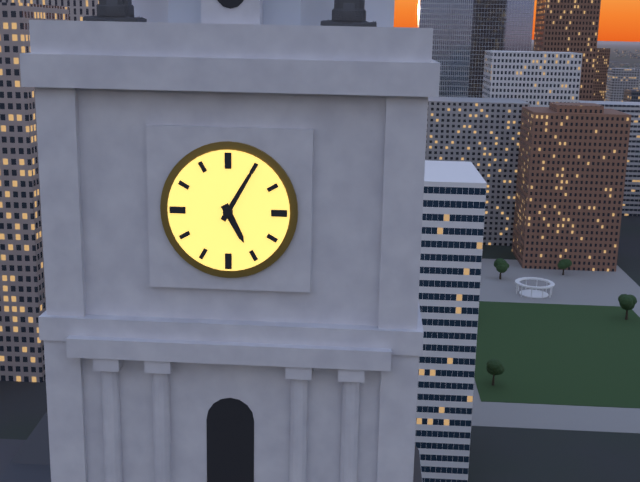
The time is 5,05
